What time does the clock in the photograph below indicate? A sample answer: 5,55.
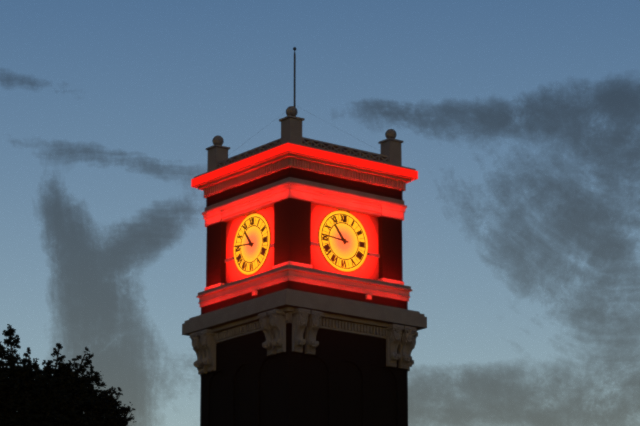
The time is 10,46
